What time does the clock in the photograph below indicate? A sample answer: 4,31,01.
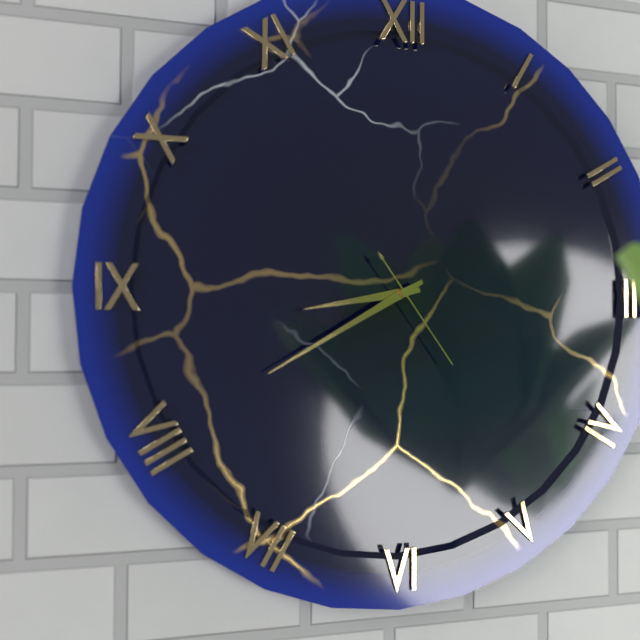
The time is 8,40,24
